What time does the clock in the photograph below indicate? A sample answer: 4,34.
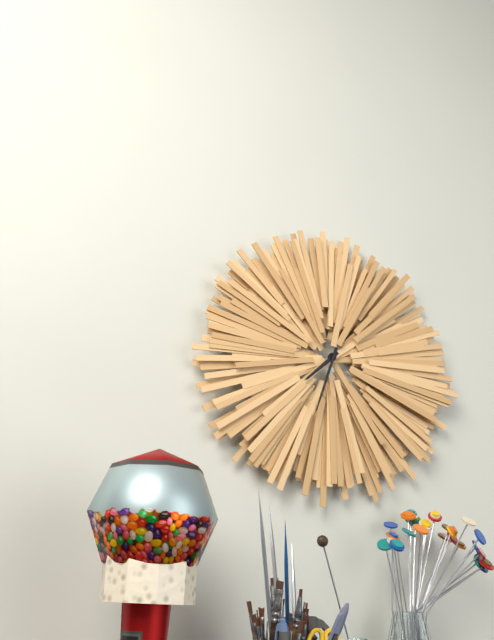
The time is 7,33
